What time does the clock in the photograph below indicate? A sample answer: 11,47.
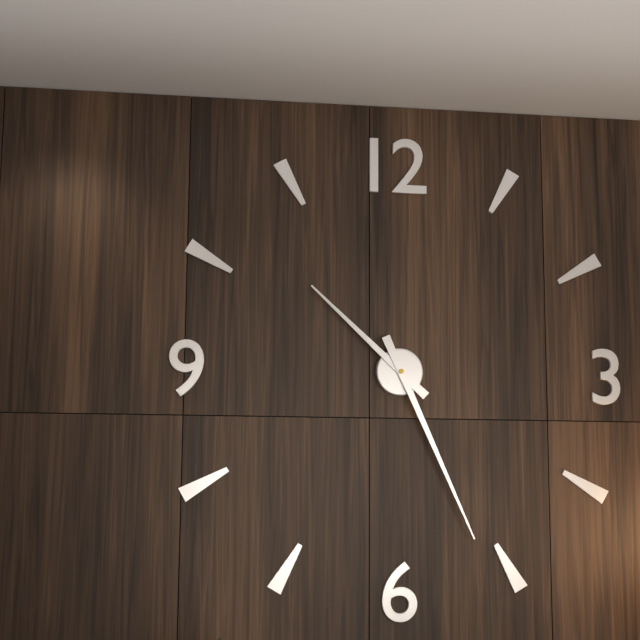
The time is 10,26
